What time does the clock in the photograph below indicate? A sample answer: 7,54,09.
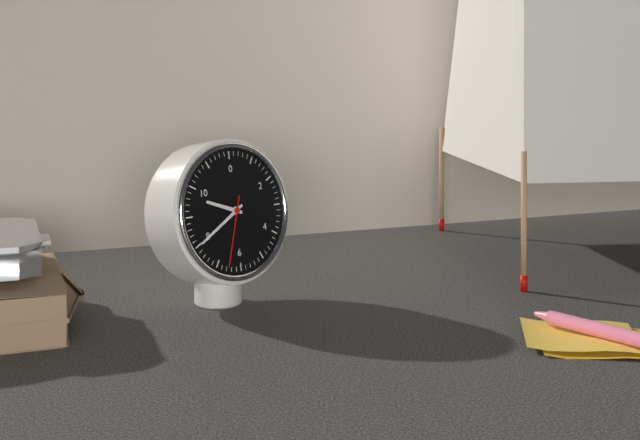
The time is 9,40,33
